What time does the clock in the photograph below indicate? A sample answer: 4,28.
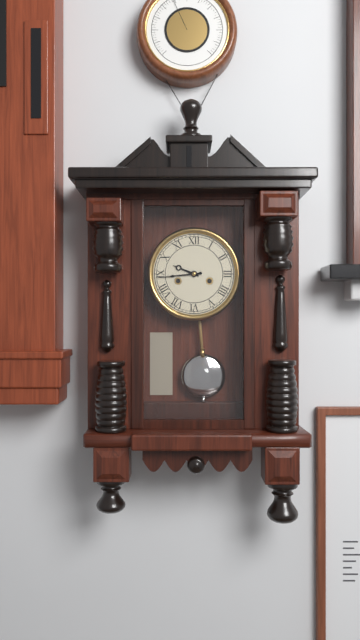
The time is 9,44
